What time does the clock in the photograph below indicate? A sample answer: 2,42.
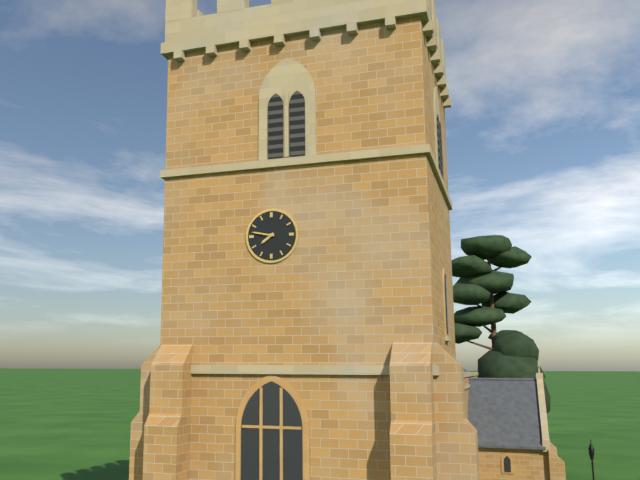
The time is 7,47
